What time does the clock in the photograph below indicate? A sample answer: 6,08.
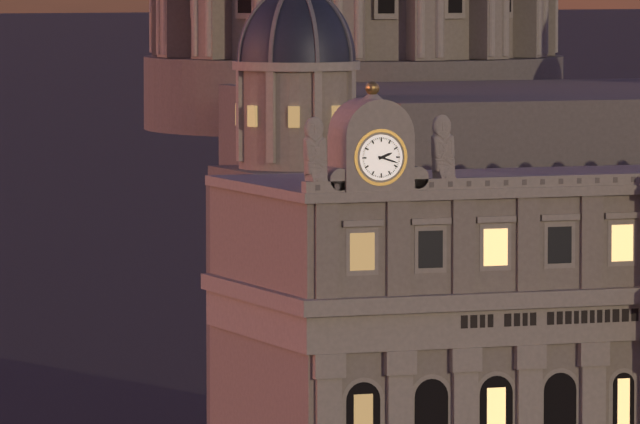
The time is 2,18
